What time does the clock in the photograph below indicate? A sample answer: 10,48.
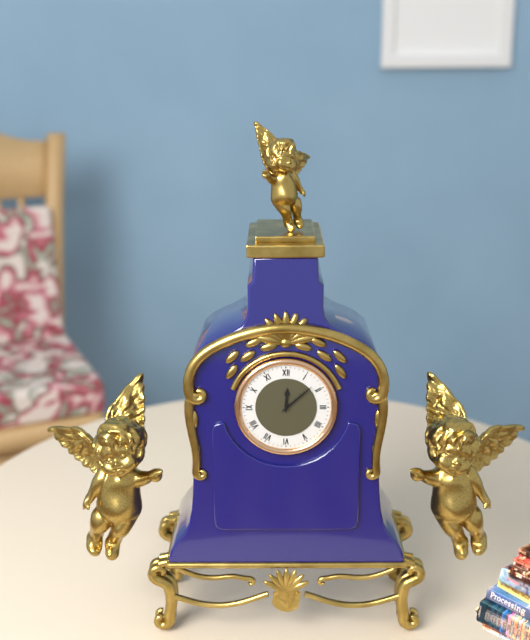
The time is 12,08
